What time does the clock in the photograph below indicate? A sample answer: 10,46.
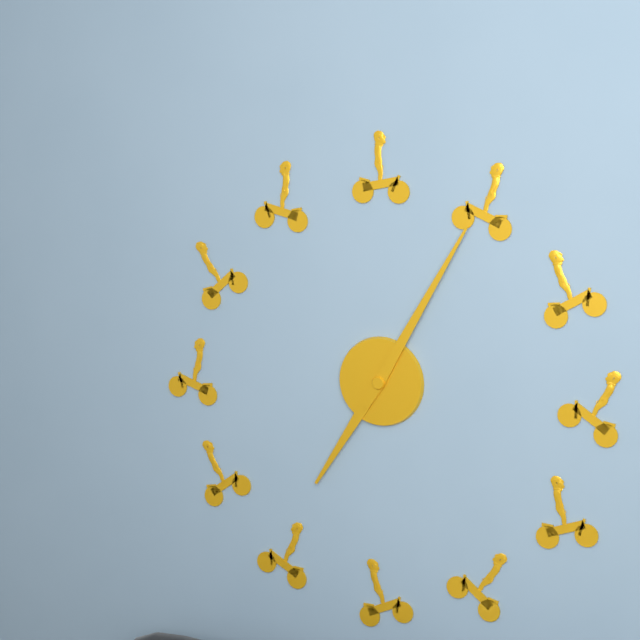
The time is 7,05
